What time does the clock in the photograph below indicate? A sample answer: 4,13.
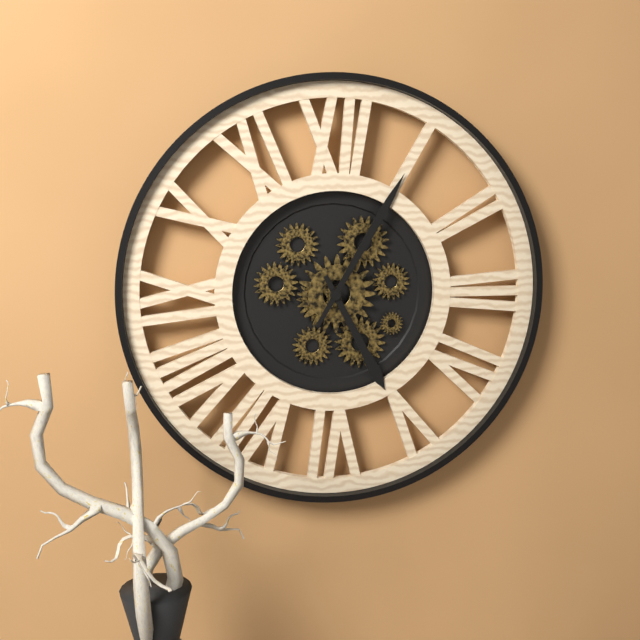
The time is 5,05
